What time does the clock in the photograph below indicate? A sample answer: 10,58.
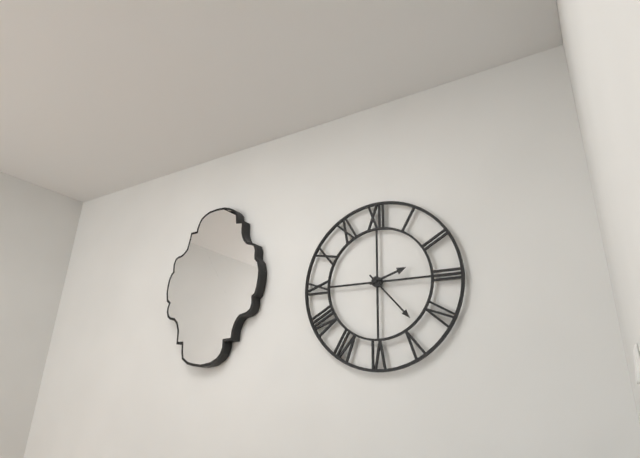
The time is 2,23
